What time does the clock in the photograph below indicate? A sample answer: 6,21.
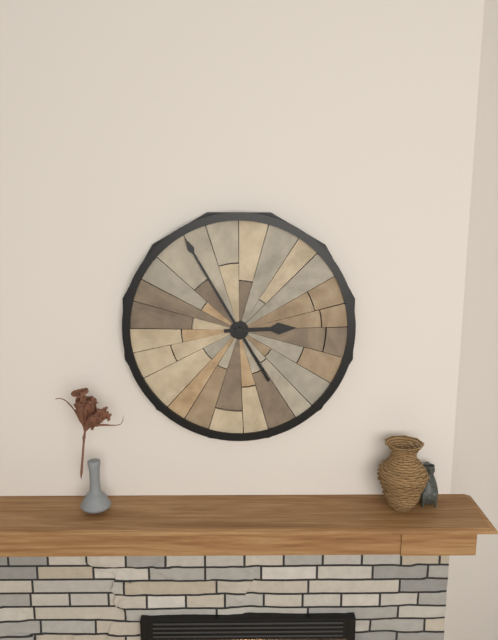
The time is 2,55
